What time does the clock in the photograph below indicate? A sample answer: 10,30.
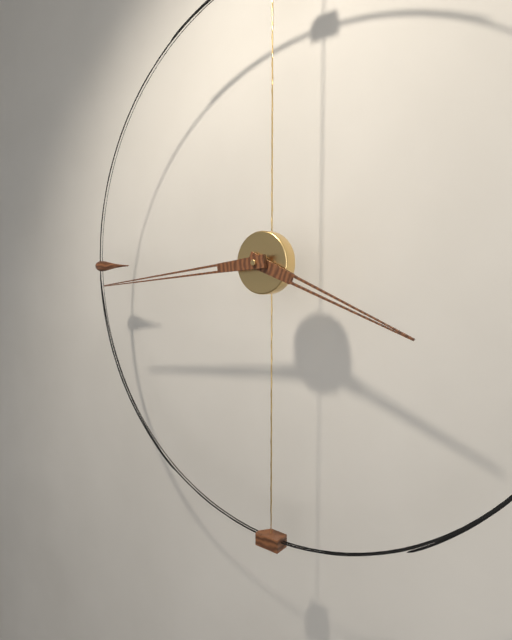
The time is 3,44
